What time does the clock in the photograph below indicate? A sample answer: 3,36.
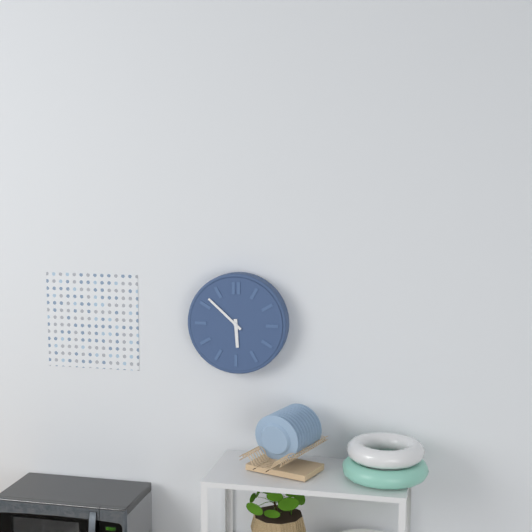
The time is 5,52
